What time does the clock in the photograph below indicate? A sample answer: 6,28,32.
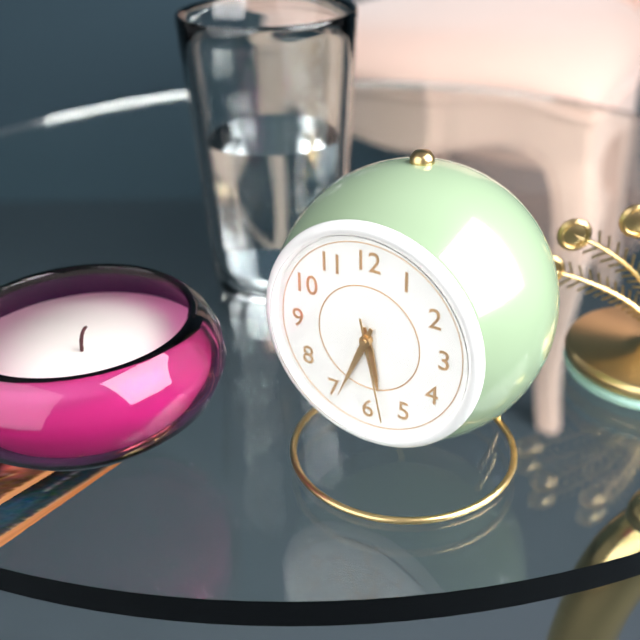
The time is 5,34,28
